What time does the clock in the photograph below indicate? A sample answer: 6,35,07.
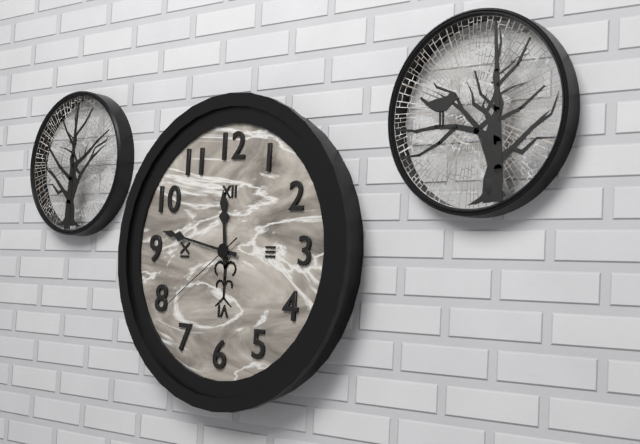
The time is 11,47,39
